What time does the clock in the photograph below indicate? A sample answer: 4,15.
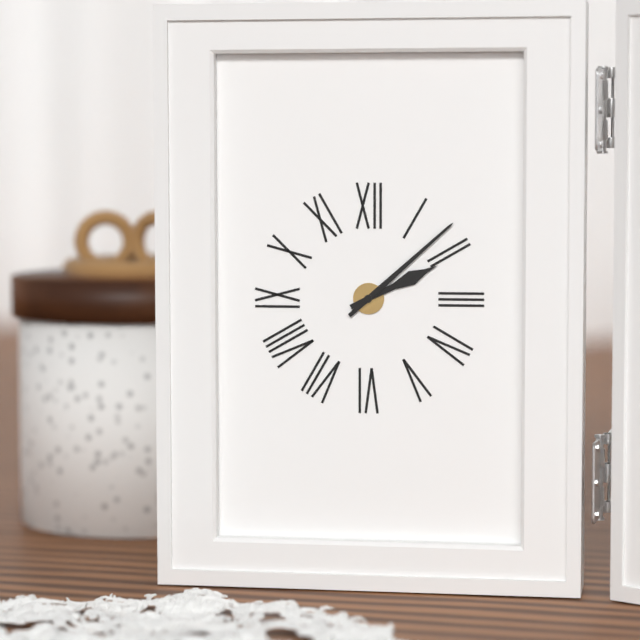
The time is 2,08
